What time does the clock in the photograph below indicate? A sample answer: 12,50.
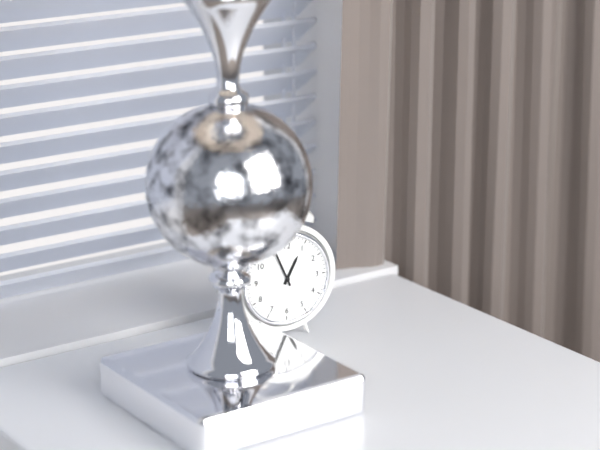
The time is 12,56
